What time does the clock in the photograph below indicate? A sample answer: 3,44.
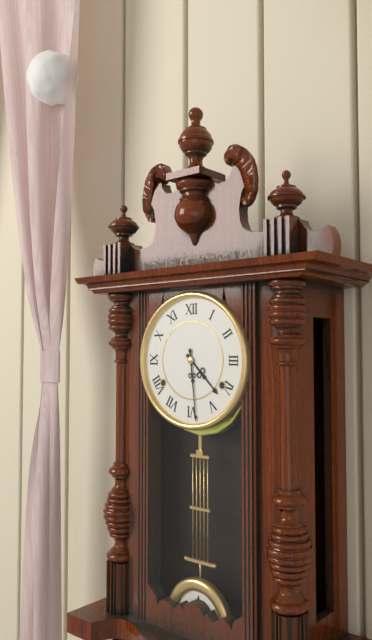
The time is 4,29
